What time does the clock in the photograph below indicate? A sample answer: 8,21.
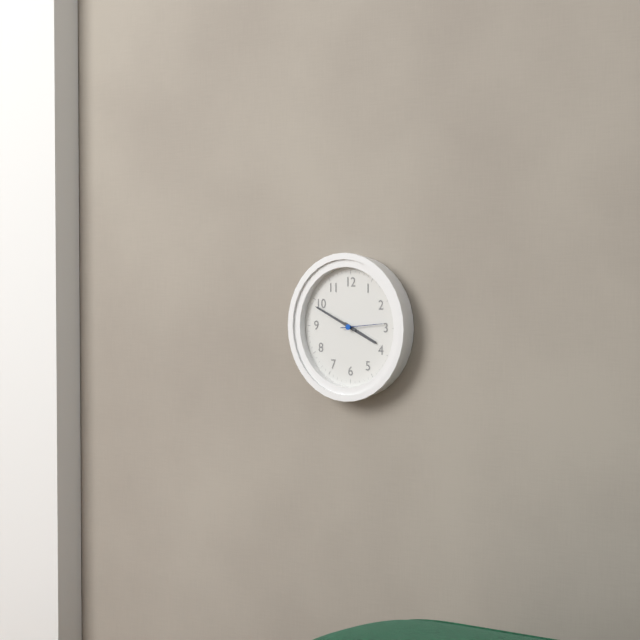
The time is 3,49
